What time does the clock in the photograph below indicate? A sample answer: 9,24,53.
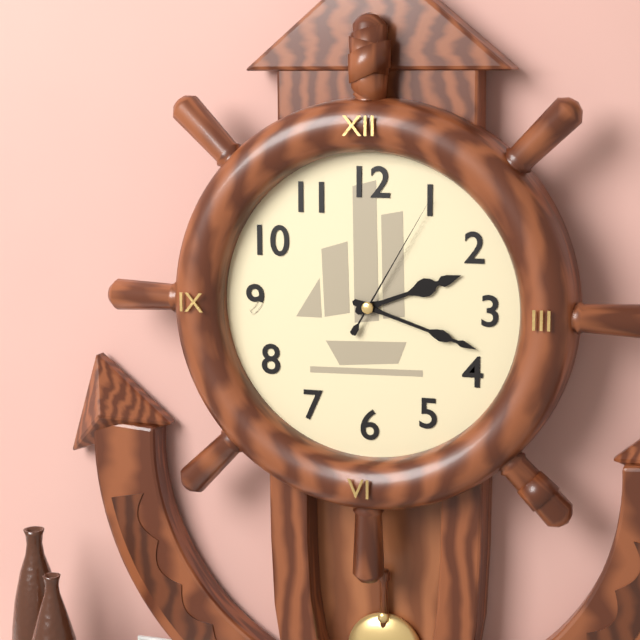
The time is 2,18,05
